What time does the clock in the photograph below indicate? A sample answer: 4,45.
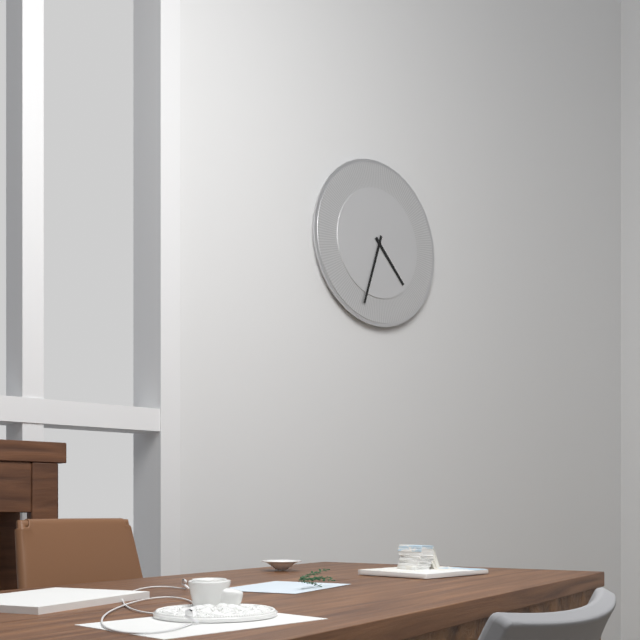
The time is 4,33
